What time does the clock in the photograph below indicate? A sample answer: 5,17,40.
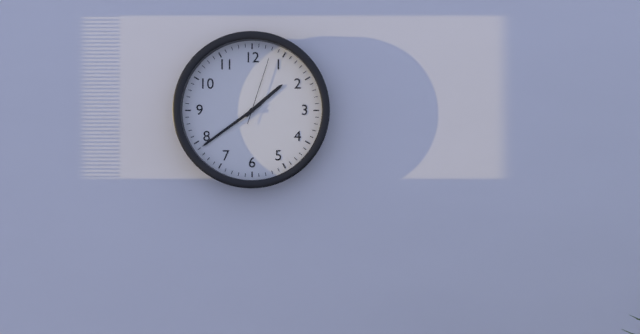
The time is 1,39,03
